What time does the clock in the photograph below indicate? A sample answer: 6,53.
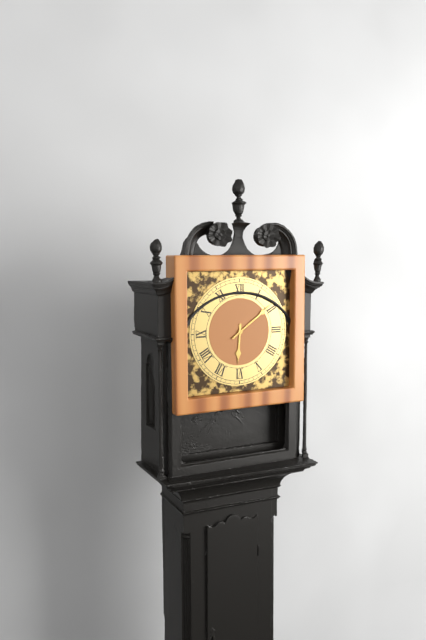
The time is 6,09
